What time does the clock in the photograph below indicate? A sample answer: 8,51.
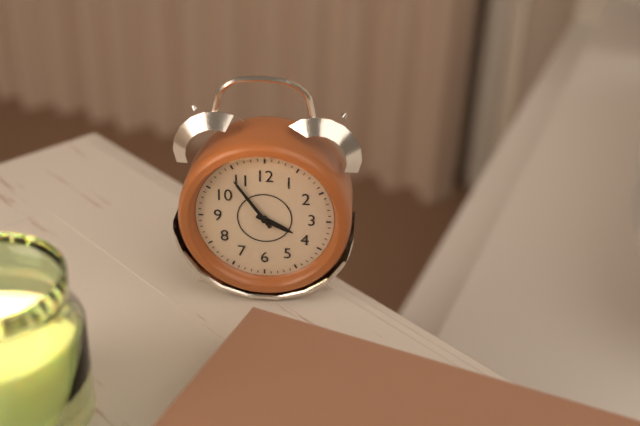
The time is 3,54
